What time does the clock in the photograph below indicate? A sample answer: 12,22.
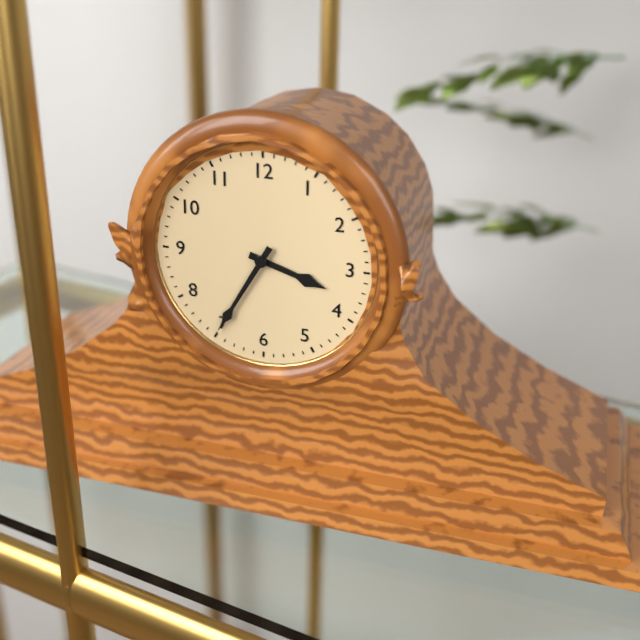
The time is 3,35
